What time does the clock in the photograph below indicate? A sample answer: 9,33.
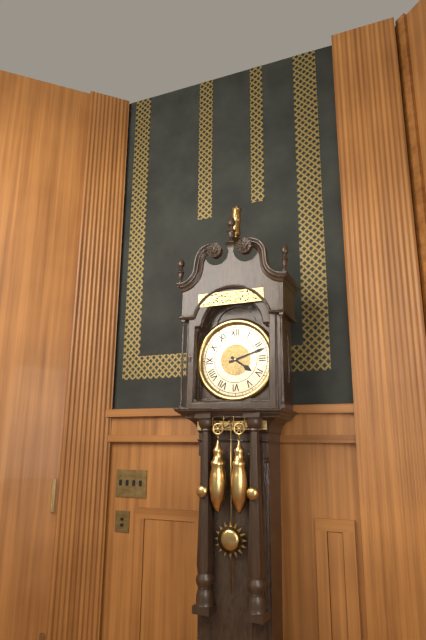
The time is 4,12
